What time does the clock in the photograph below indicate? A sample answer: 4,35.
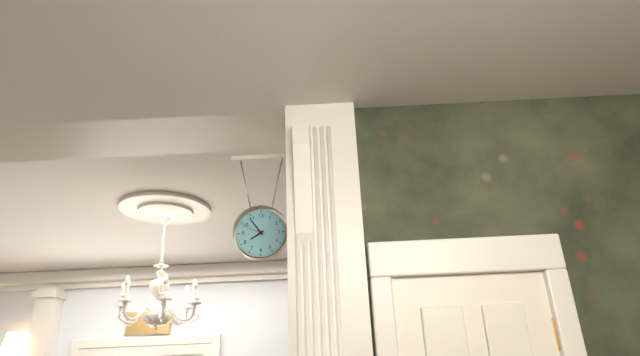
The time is 7,54
